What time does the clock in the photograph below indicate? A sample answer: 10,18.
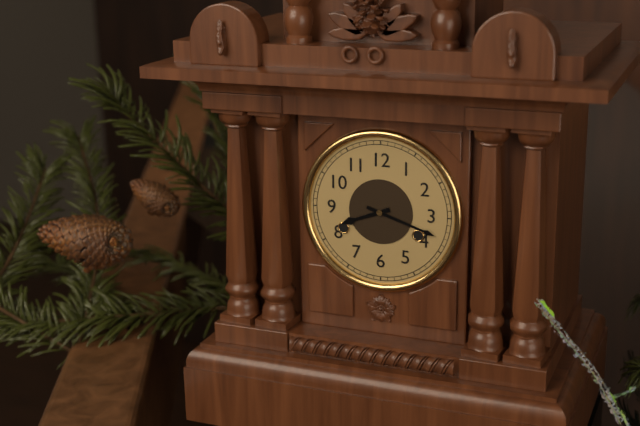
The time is 8,18
